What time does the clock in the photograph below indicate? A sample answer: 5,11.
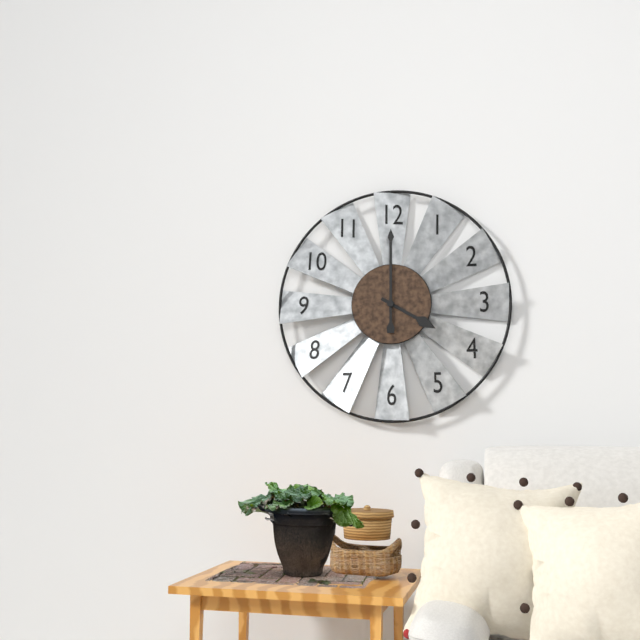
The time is 4,00
